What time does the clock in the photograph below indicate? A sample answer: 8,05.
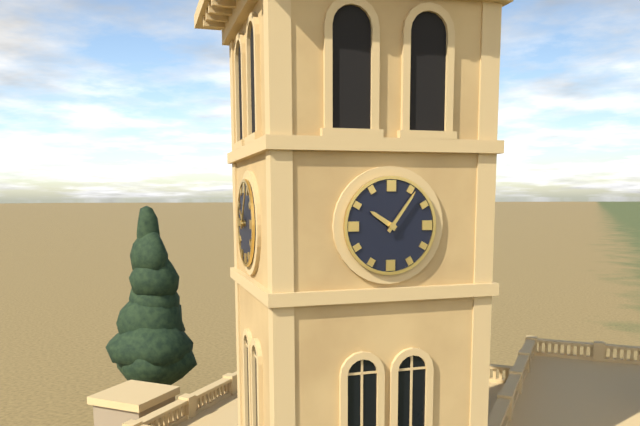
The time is 10,06
